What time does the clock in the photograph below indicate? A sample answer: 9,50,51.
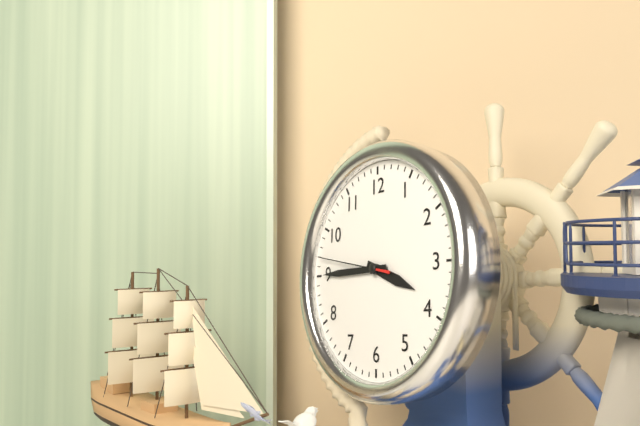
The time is 3,45,47
